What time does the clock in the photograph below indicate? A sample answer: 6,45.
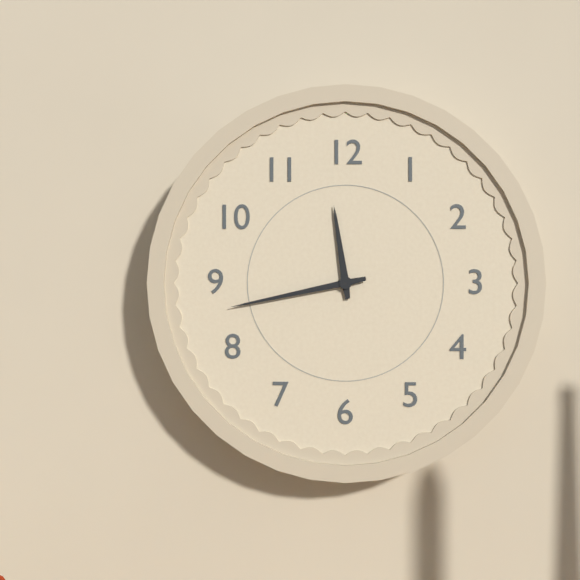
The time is 11,43
